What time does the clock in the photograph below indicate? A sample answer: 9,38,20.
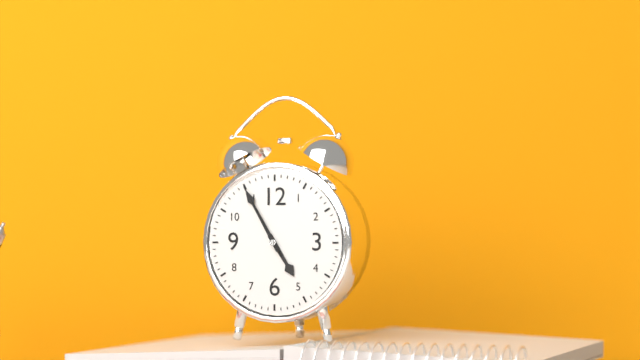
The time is 4,55,55
